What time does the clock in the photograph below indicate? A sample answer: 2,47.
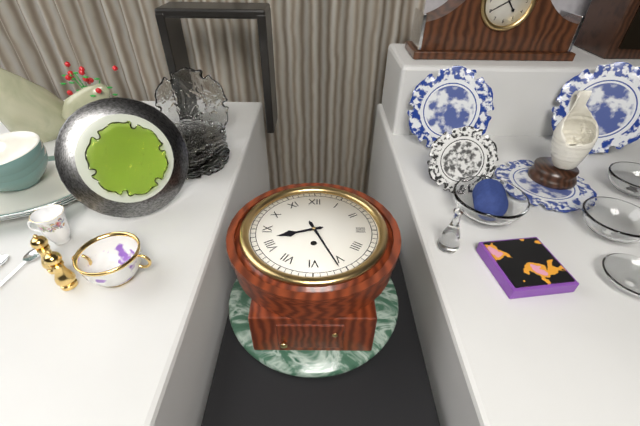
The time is 8,26
